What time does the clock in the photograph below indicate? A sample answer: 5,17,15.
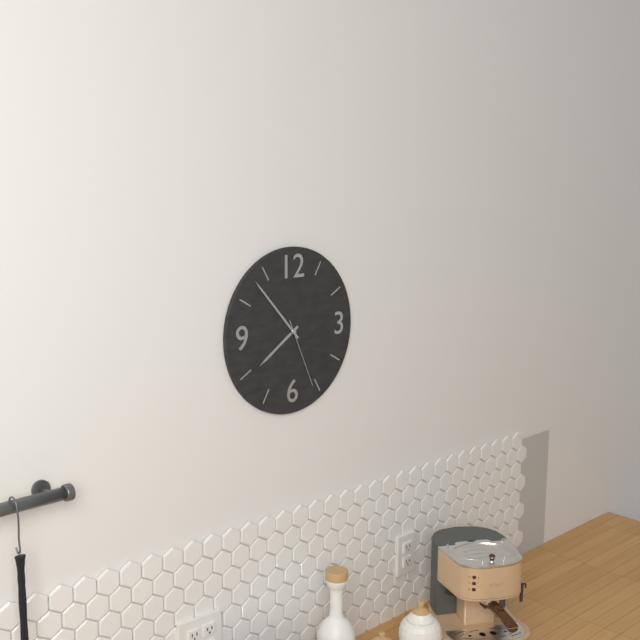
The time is 7,53,26
